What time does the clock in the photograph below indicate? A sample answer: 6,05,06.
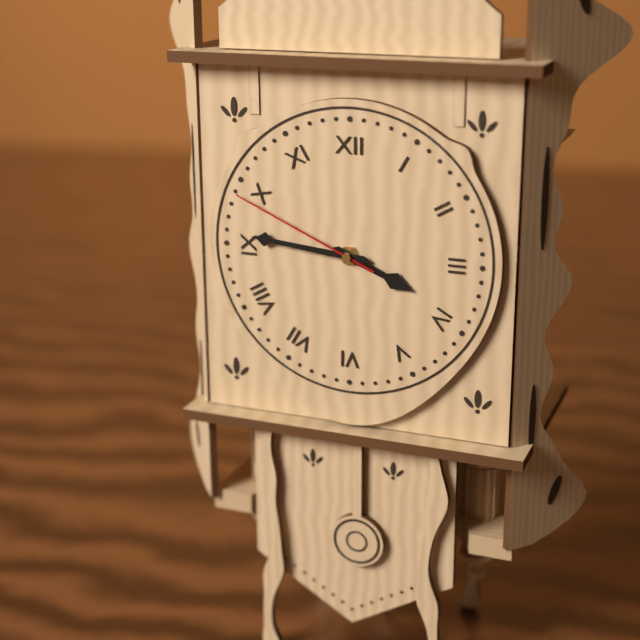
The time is 3,46,49
